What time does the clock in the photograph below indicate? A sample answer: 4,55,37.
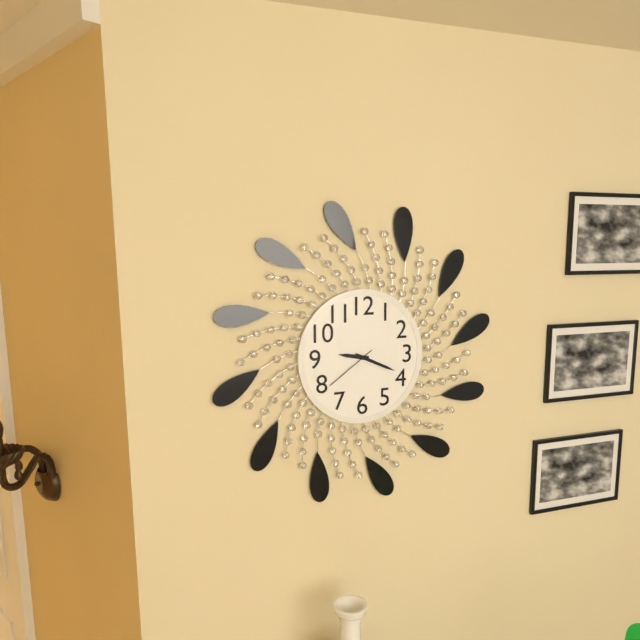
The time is 9,19,39
